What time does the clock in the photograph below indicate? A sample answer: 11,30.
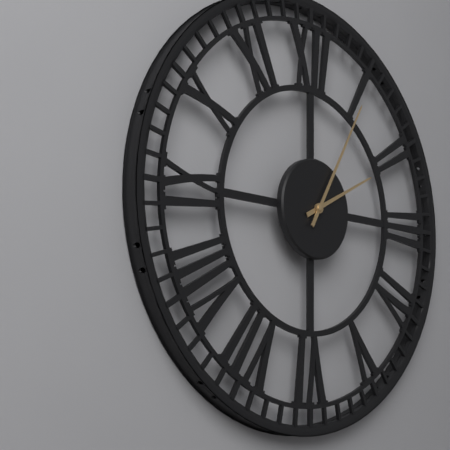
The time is 2,05
